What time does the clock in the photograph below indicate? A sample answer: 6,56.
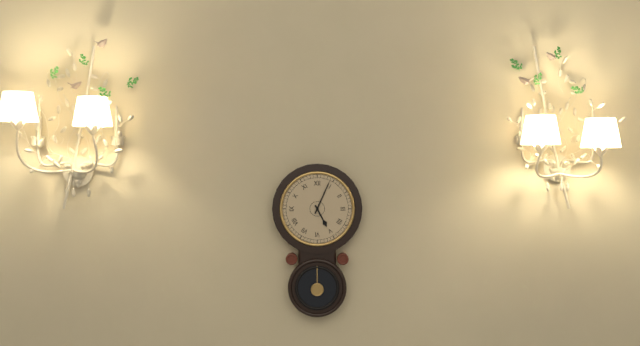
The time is 5,04
